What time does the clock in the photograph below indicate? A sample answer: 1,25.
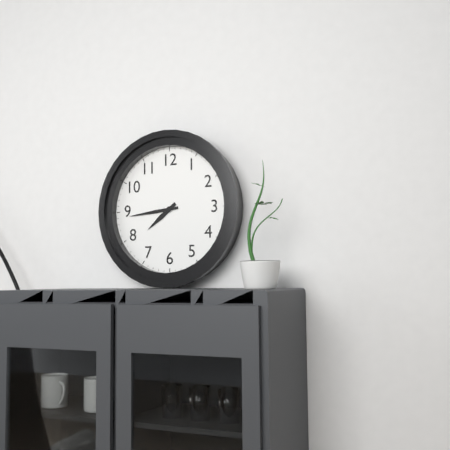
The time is 7,44
